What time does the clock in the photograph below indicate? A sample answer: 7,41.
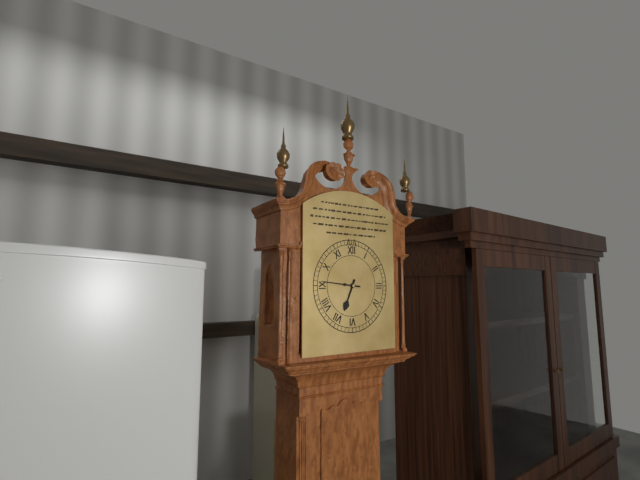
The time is 6,46
